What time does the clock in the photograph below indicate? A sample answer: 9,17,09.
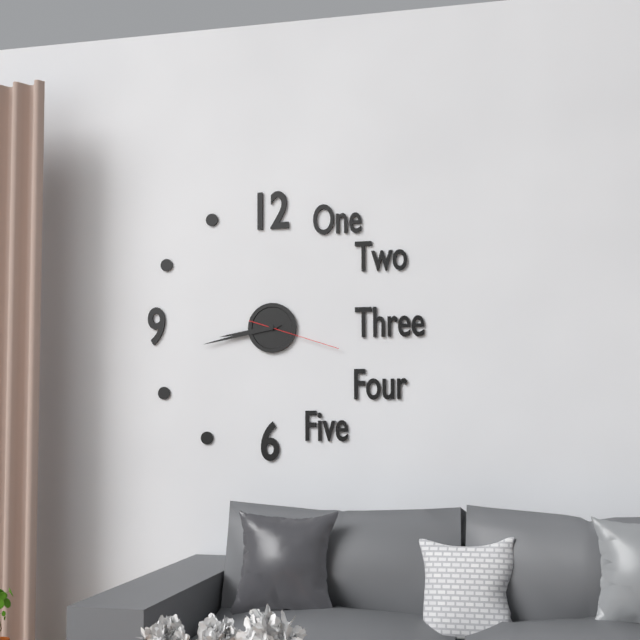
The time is 8,43,18
